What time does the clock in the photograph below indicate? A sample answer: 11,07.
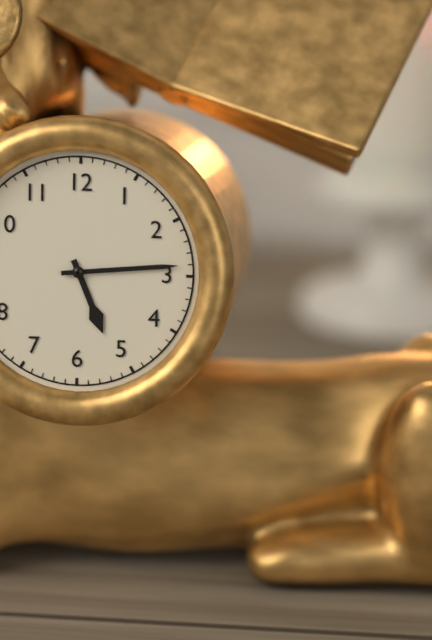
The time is 5,14
